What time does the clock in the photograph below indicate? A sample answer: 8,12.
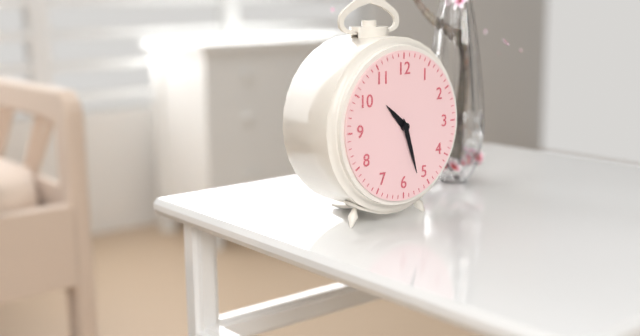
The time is 10,27
